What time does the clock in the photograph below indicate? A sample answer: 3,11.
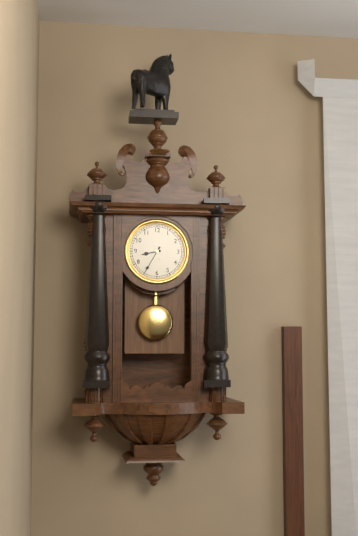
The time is 8,35
